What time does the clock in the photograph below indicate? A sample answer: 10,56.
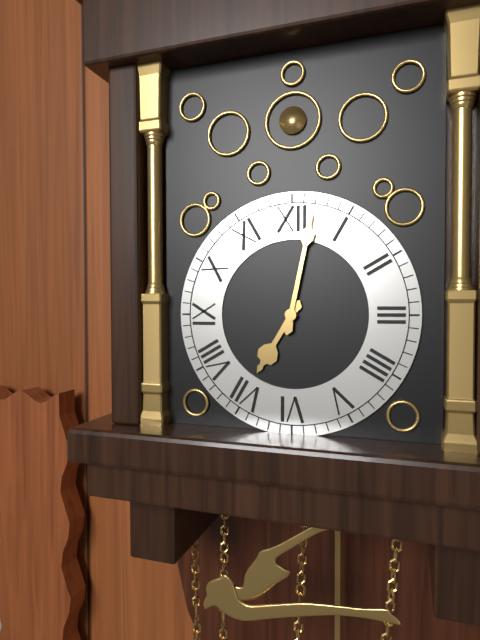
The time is 7,02
